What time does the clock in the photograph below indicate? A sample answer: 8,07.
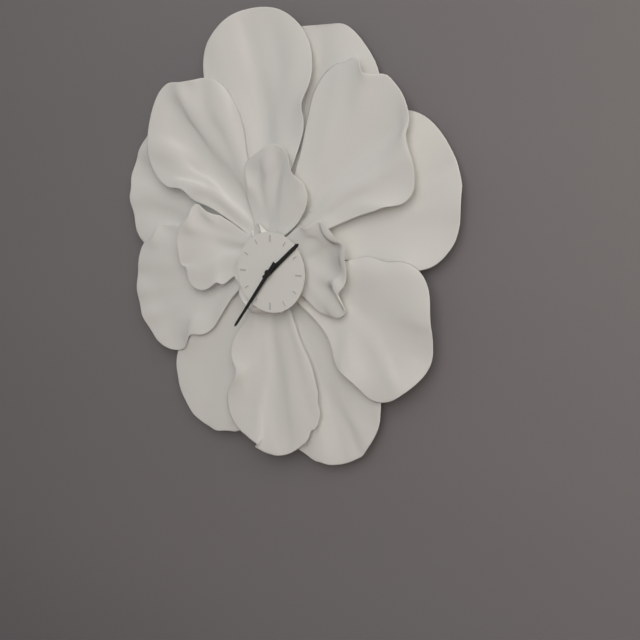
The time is 1,36
